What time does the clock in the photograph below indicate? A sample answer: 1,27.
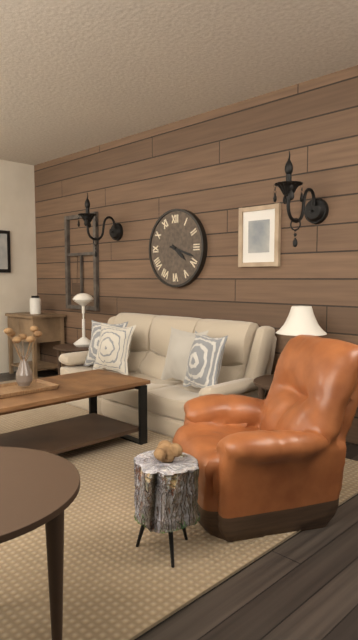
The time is 4,18
